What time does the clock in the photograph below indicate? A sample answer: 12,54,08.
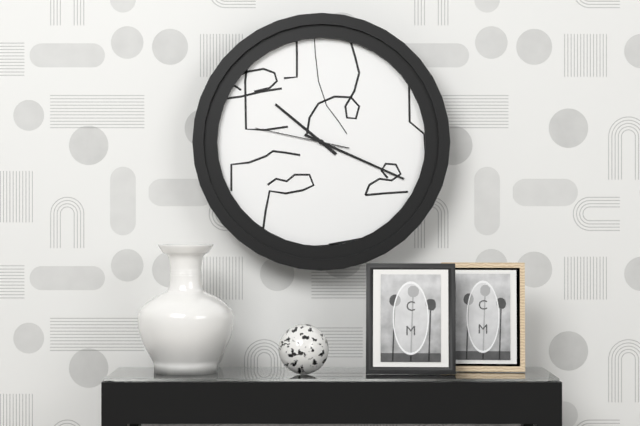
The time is 10,19,47
